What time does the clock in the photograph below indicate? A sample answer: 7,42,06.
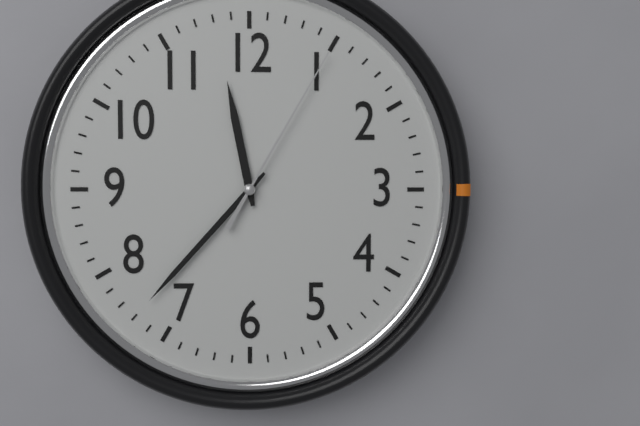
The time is 11,37,05
